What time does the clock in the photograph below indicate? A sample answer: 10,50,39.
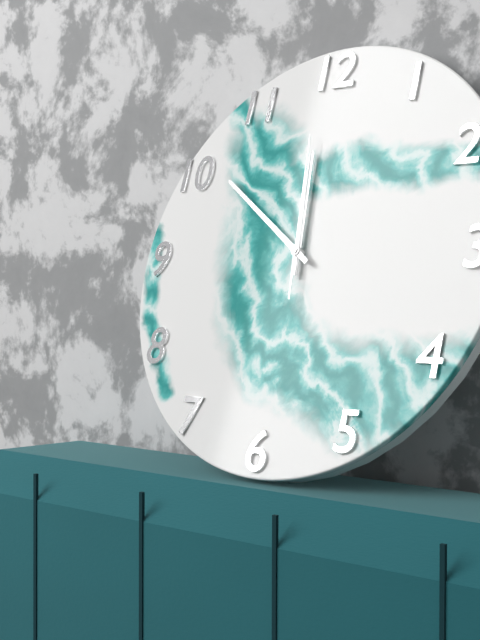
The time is 11,51,59
